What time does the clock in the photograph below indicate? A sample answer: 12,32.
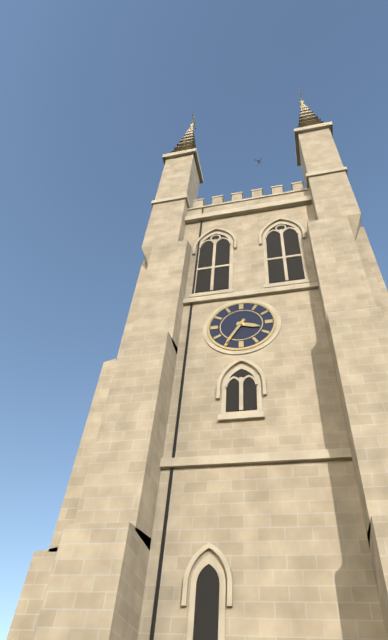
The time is 3,35
